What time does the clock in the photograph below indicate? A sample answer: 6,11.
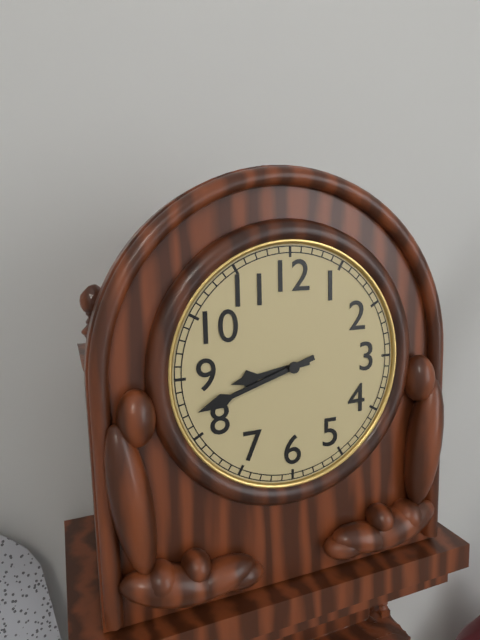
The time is 8,42
